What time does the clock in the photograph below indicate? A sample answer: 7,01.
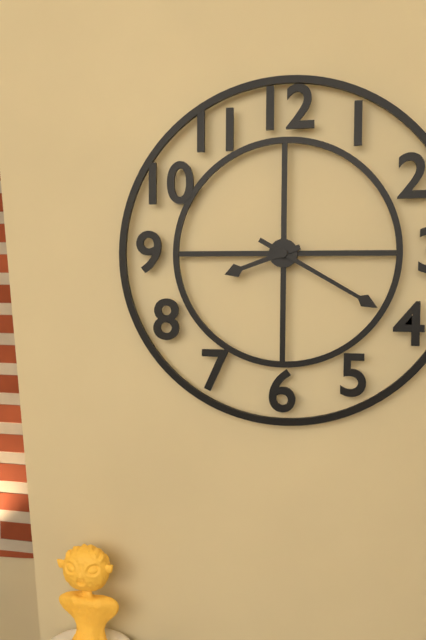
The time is 8,20
